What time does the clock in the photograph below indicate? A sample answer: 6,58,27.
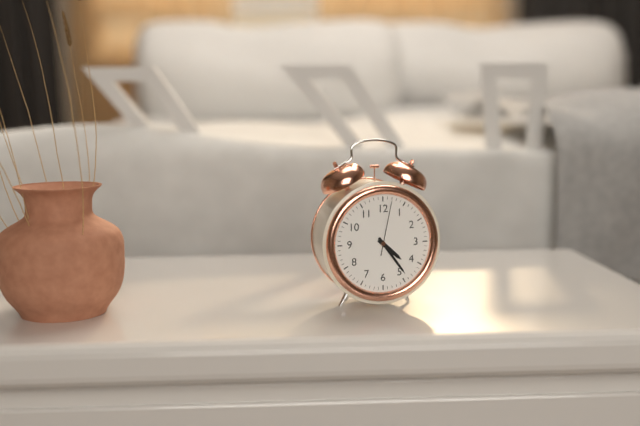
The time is 4,24,02
